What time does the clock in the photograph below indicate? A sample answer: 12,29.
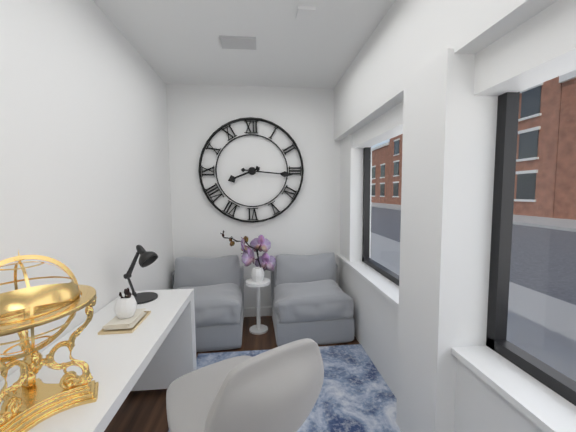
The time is 8,16
